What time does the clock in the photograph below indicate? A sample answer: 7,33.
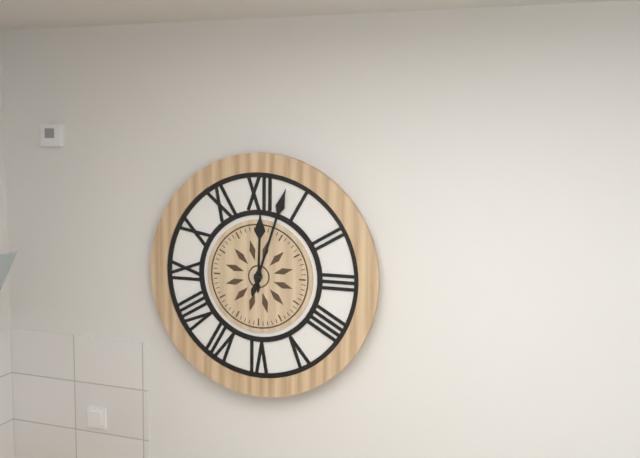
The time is 12,03
